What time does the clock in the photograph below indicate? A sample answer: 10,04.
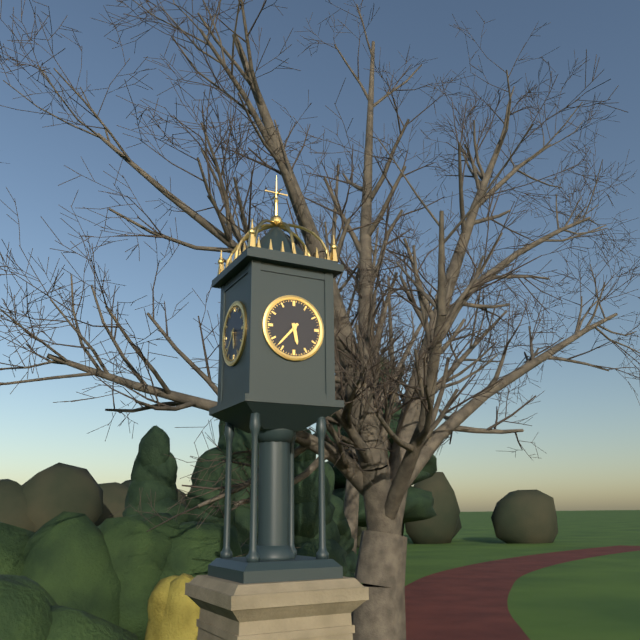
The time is 5,37
